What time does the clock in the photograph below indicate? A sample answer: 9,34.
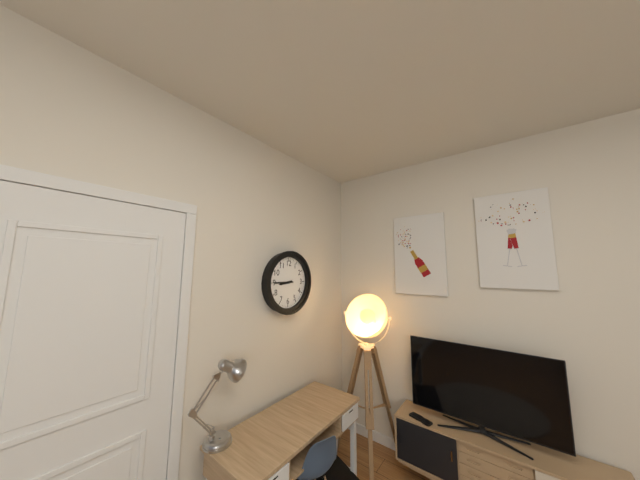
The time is 8,45
